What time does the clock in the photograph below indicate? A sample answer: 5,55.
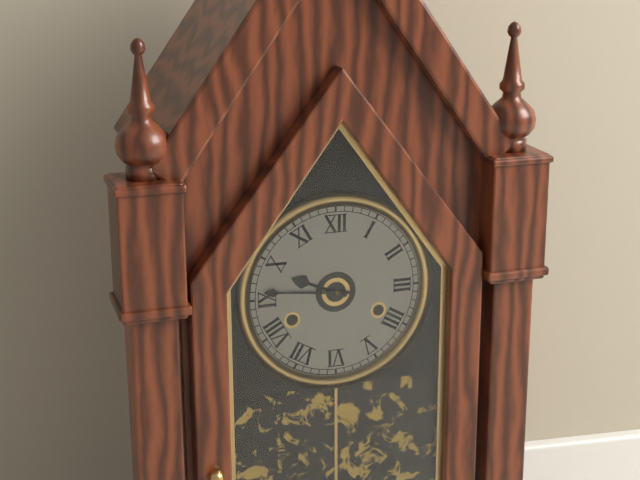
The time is 9,46
